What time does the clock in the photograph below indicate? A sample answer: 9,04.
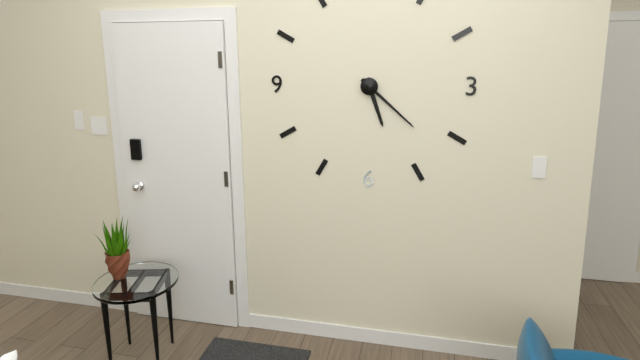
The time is 5,22
